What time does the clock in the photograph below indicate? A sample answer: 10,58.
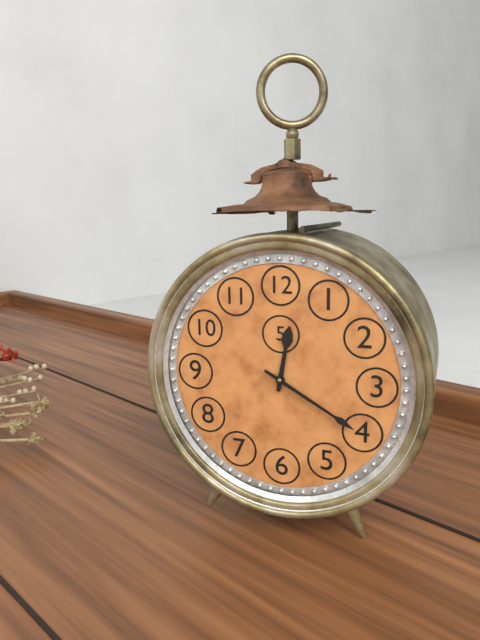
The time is 12,20
